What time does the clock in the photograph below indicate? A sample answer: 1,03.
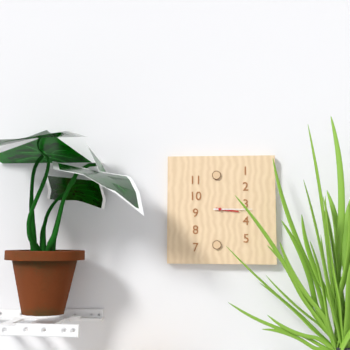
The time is 3,15
